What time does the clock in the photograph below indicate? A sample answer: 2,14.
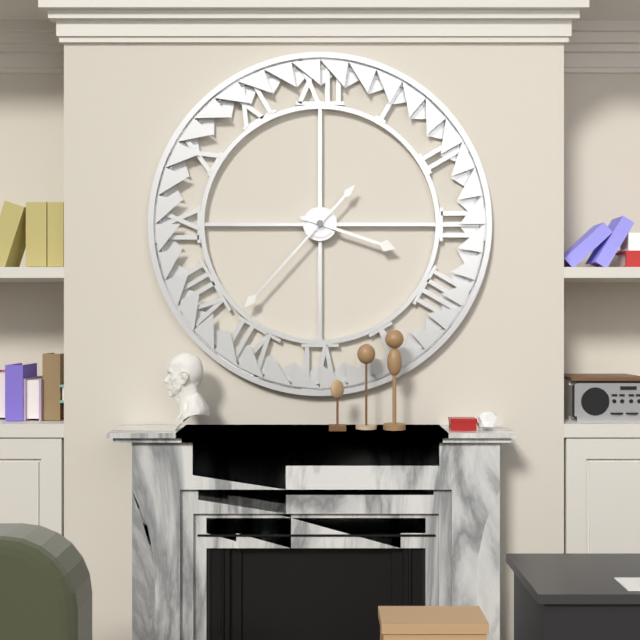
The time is 3,37
